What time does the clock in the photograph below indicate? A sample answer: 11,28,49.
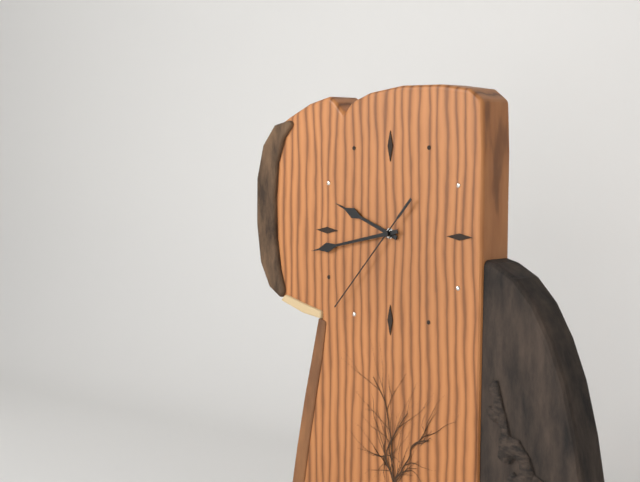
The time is 9,43,37
